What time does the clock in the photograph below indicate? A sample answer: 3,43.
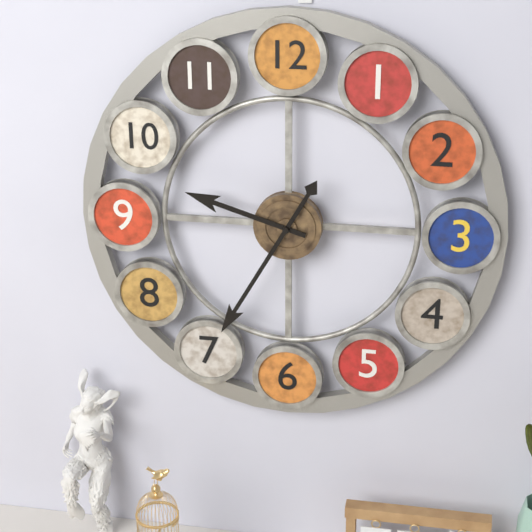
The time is 9,35
